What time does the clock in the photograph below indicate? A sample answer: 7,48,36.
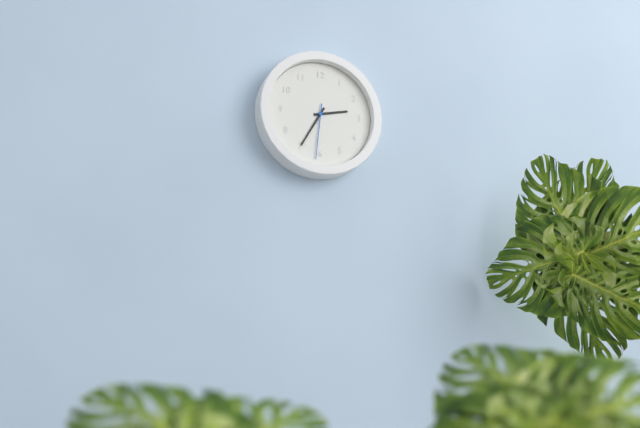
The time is 2,35,31
